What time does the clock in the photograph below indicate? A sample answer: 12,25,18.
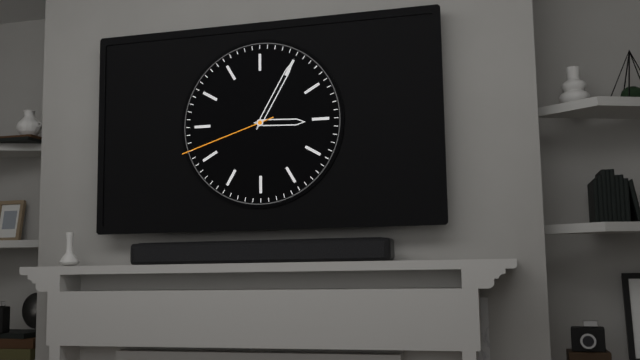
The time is 3,05,42
